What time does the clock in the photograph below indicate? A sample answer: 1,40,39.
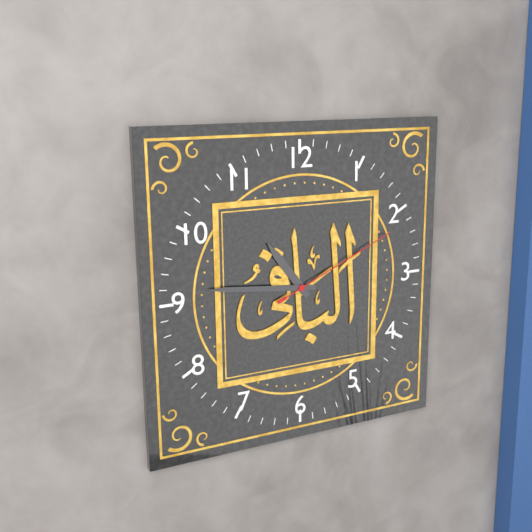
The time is 10,46,11
